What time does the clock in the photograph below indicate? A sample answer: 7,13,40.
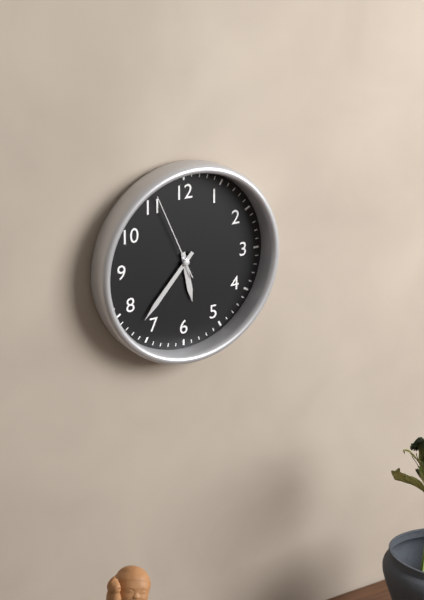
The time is 5,37,56
